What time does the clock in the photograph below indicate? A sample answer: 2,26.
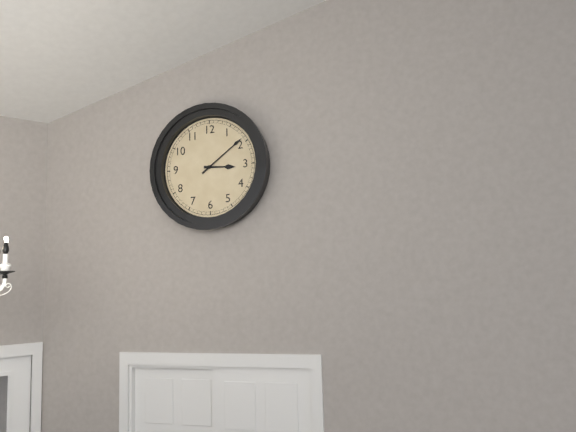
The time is 3,09
